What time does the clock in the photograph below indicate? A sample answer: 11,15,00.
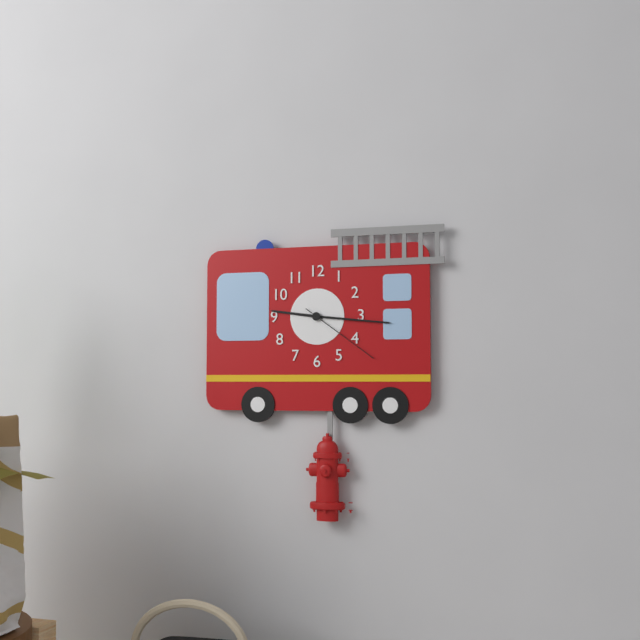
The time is 9,16,21
